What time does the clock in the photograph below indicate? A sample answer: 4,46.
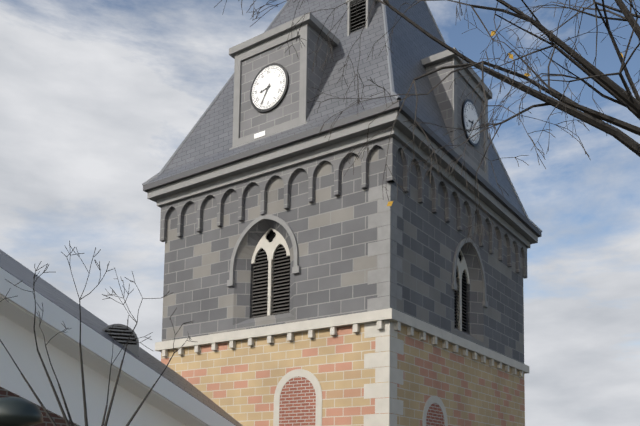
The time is 8,35
